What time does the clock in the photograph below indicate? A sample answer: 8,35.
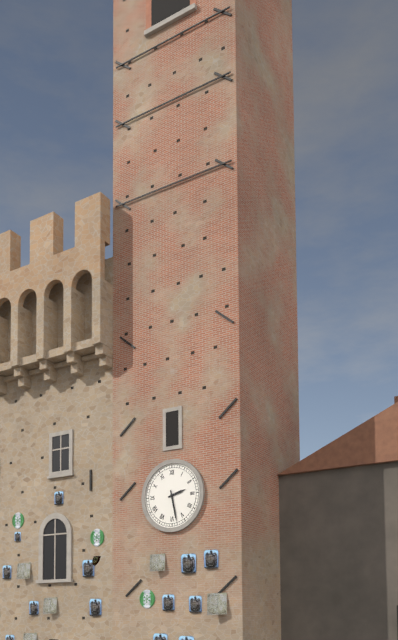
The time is 2,28
